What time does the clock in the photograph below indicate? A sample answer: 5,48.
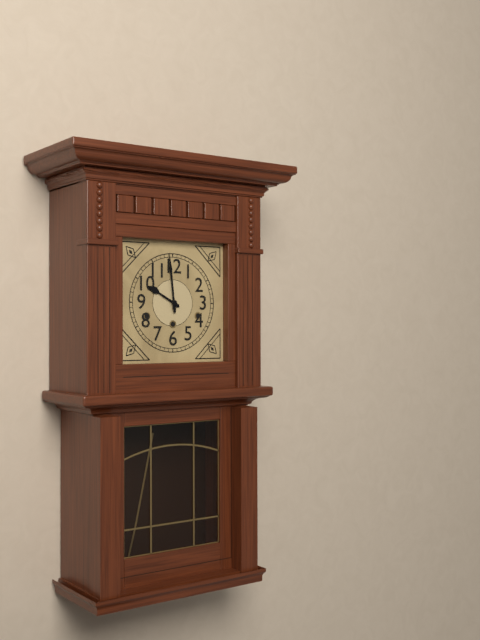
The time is 9,59
